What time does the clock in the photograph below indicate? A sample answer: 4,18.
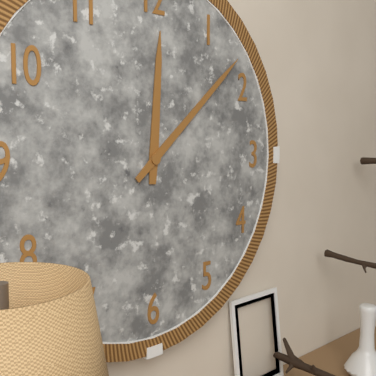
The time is 12,08
